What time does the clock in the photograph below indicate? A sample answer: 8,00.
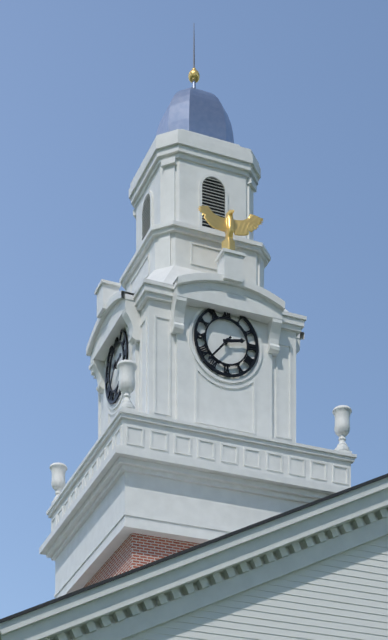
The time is 2,37
